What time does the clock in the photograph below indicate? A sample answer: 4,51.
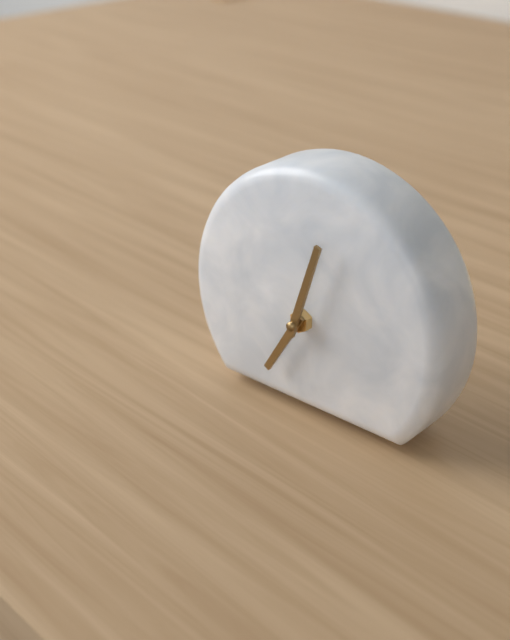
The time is 7,03
